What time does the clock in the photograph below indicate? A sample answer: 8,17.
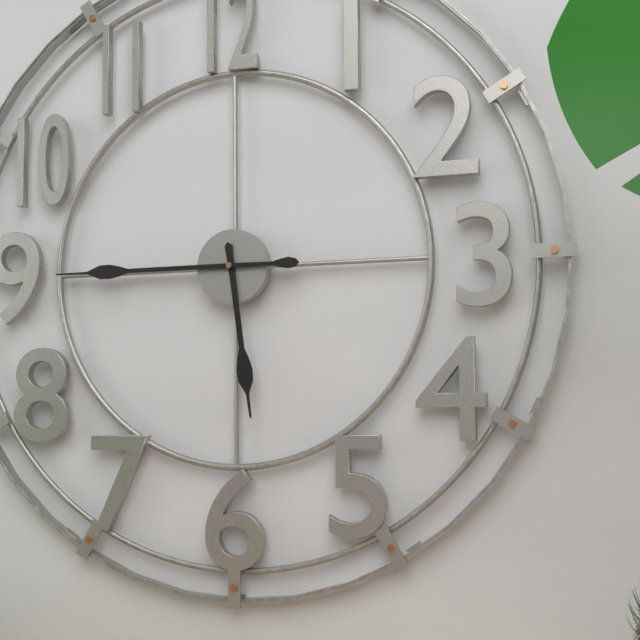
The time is 5,45
